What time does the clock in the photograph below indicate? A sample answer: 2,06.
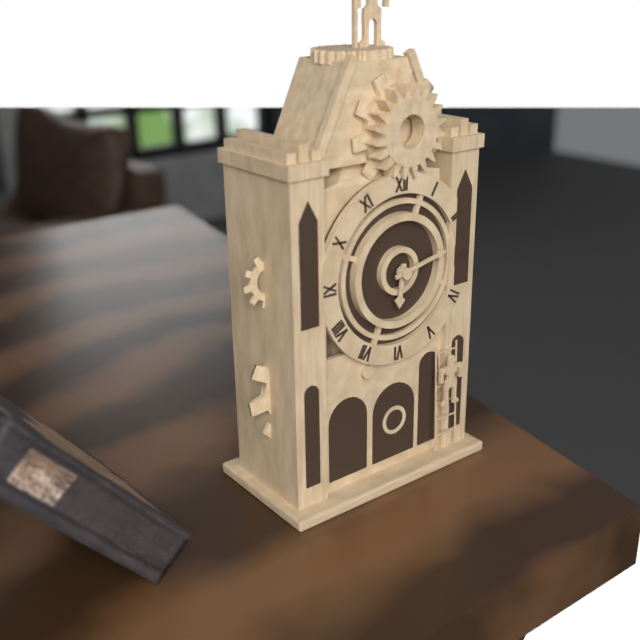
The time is 6,13
